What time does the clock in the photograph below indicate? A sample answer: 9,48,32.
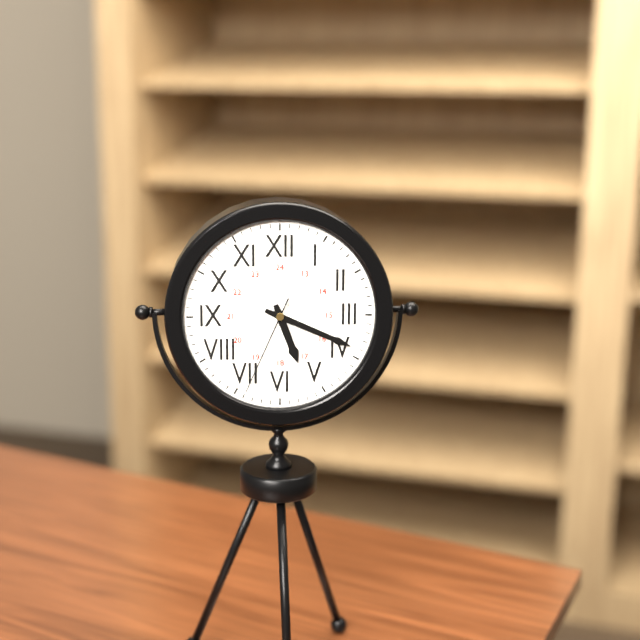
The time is 5,19,34
